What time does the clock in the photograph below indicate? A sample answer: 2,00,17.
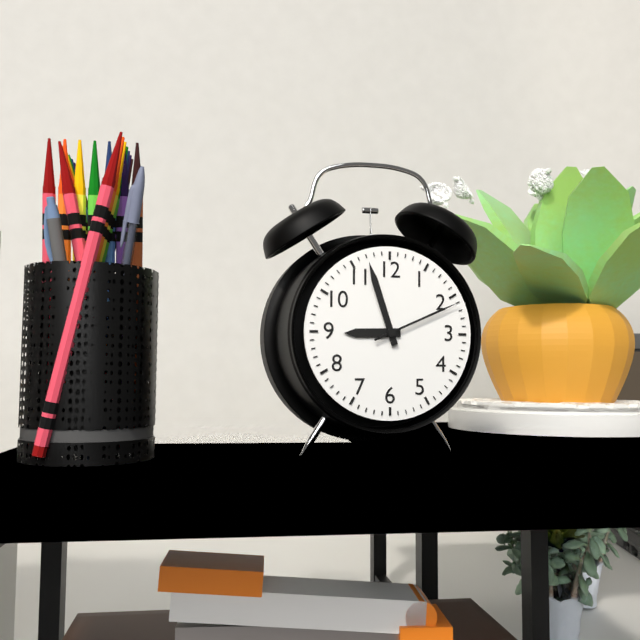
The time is 8,57,11
